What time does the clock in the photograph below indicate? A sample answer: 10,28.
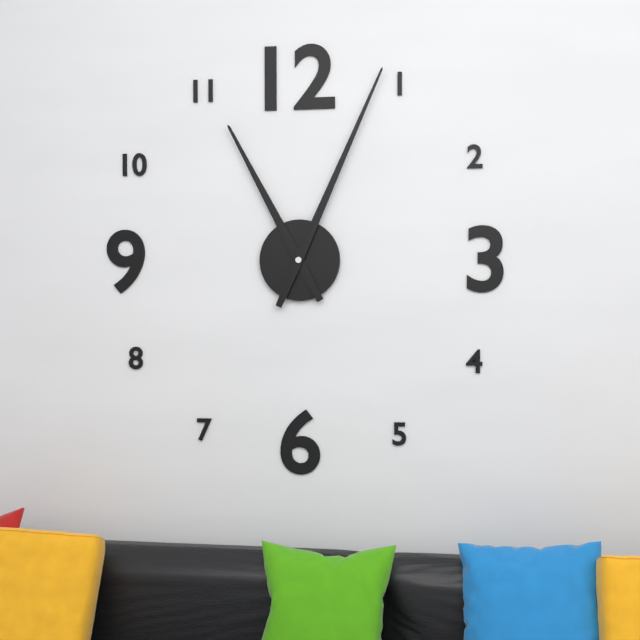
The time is 11,04
